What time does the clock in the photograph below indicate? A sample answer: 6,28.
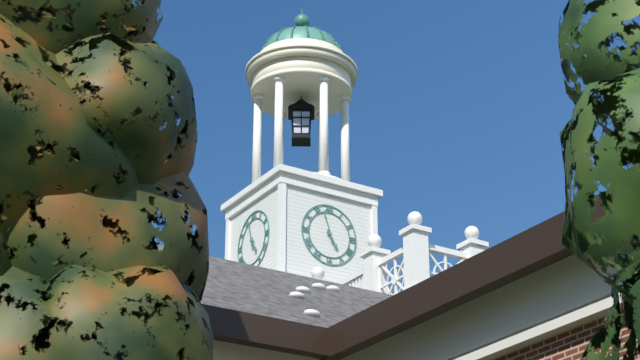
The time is 4,57
